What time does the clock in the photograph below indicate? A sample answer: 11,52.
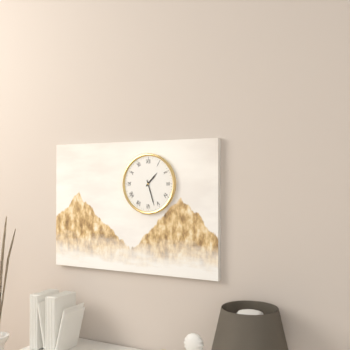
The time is 1,27
